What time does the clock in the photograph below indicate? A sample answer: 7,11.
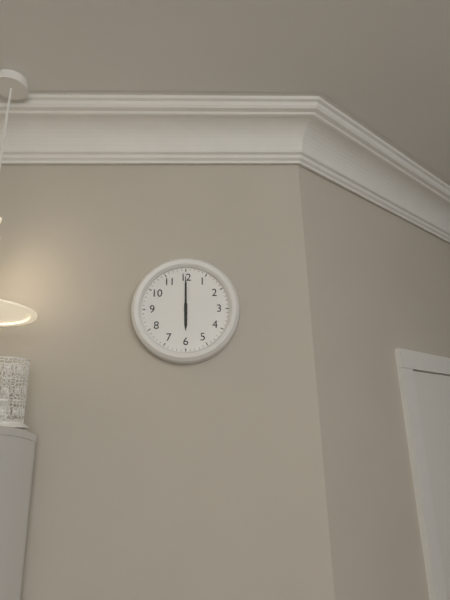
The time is 6,00
